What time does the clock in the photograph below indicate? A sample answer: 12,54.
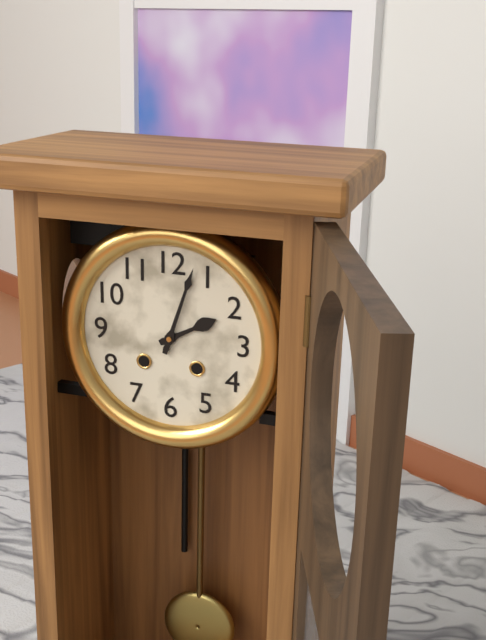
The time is 2,03
